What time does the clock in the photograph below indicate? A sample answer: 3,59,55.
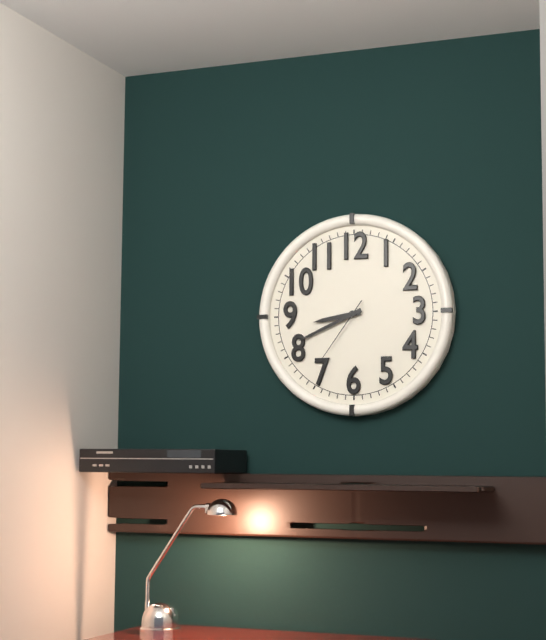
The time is 8,41,36
